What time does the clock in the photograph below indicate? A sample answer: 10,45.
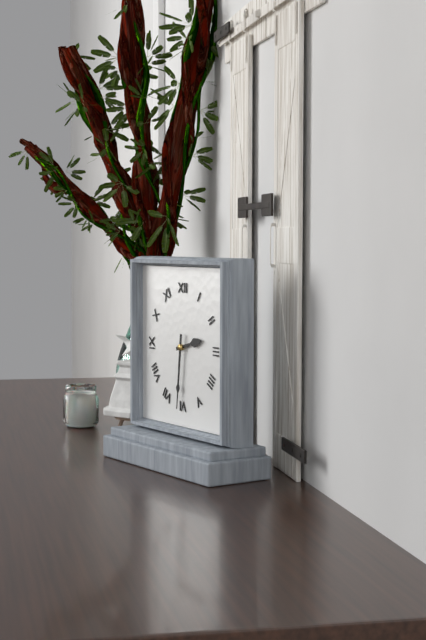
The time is 2,31
